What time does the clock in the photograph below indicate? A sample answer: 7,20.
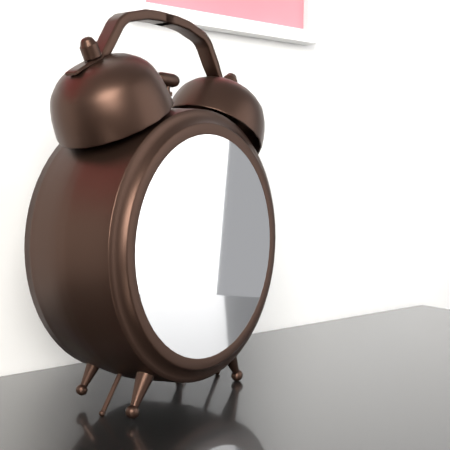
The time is 11,34
